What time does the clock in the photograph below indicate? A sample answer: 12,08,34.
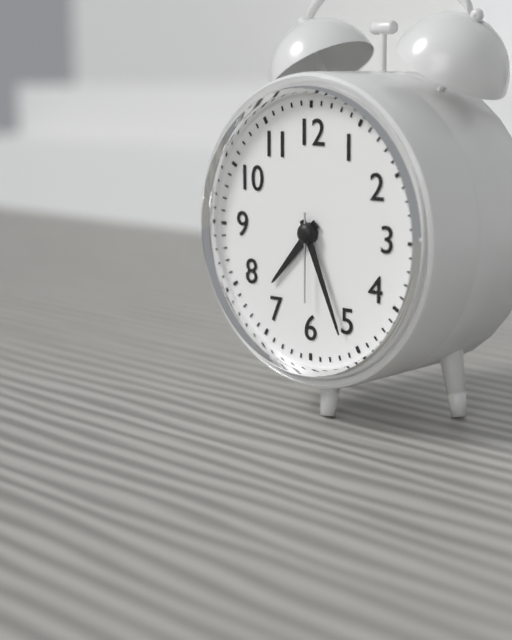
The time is 7,26,30
